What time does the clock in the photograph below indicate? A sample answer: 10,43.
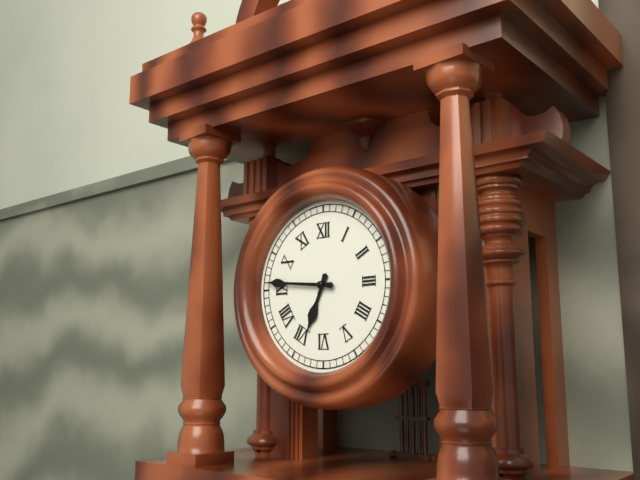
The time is 6,46
